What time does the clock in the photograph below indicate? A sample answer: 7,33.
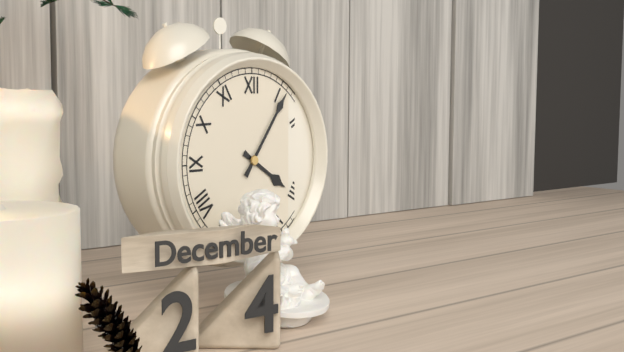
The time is 4,06
